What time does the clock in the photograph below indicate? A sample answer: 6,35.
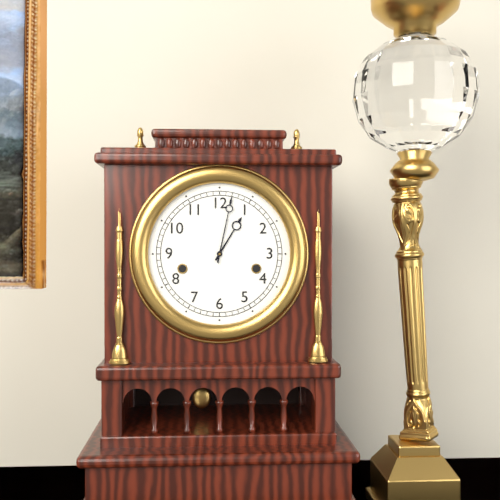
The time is 1,02
